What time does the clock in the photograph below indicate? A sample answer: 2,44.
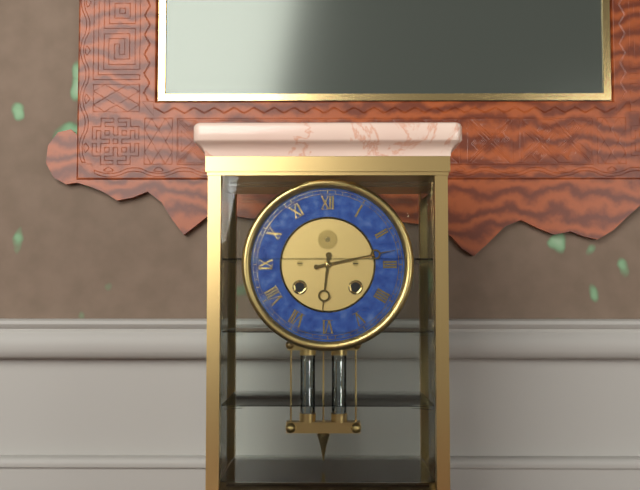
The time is 6,13
